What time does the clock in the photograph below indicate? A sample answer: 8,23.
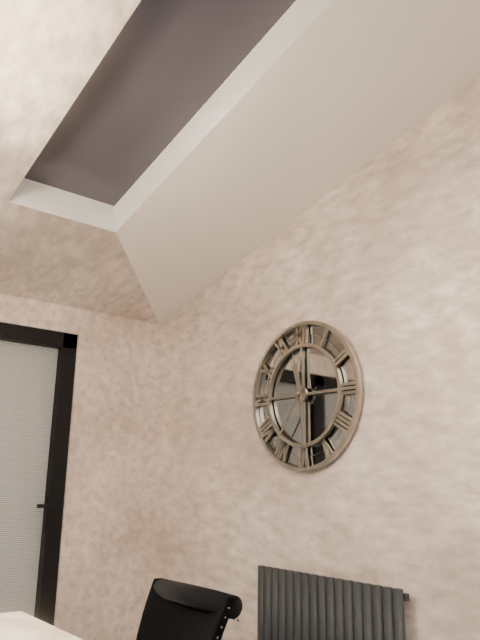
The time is 11,36
